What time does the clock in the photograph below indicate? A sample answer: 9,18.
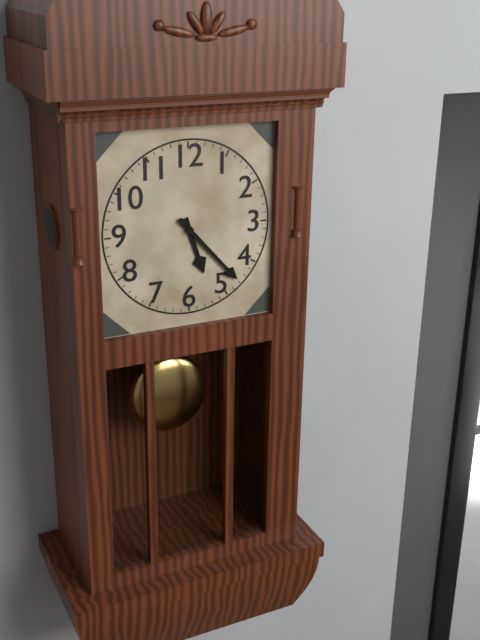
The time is 5,23
